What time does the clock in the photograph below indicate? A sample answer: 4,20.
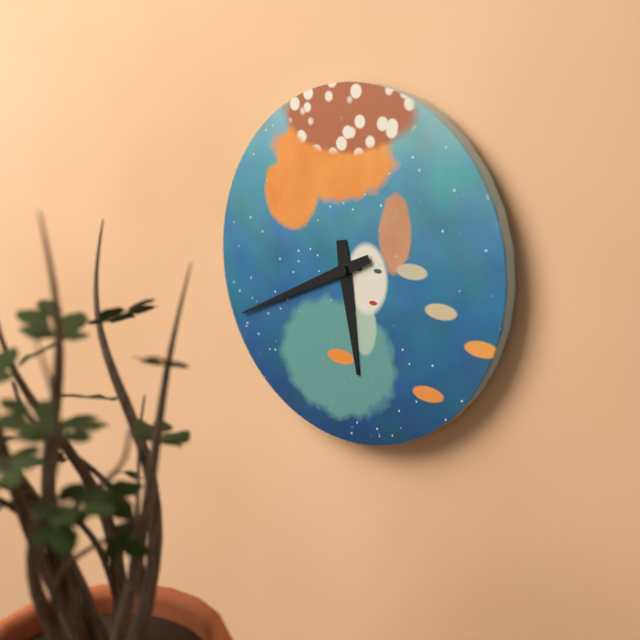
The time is 5,41
